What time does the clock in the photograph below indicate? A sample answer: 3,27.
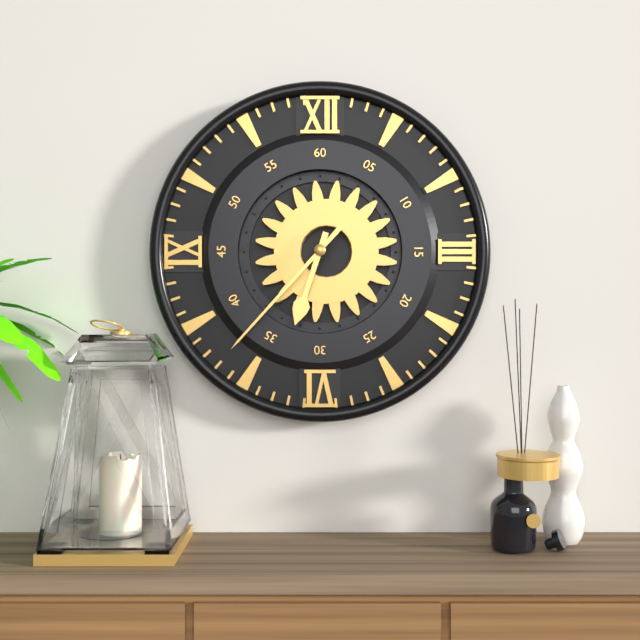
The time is 6,37
